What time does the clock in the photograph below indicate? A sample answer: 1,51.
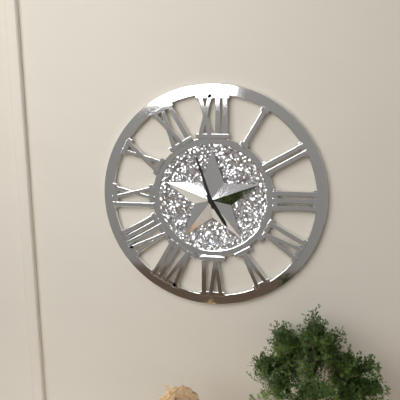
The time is 4,57
